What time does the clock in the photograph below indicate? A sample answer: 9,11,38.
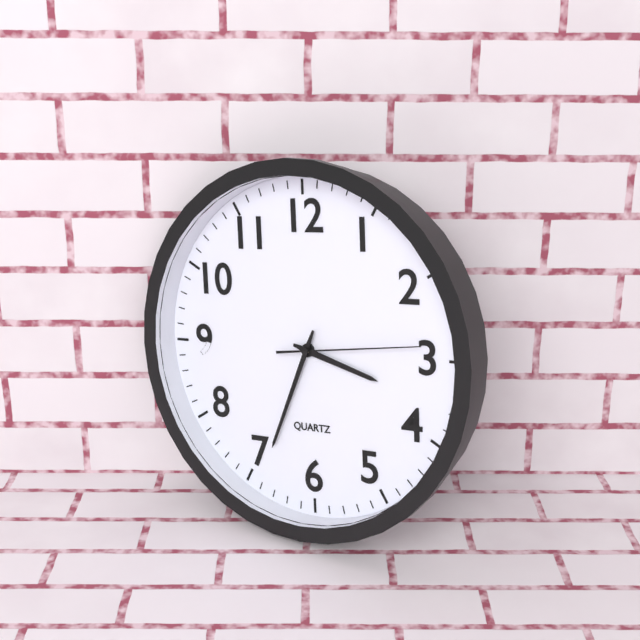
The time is 3,34,14
